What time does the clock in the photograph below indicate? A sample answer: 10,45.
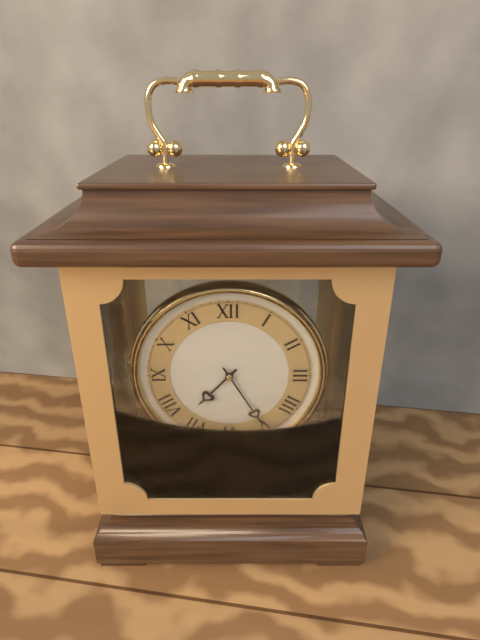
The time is 7,25
